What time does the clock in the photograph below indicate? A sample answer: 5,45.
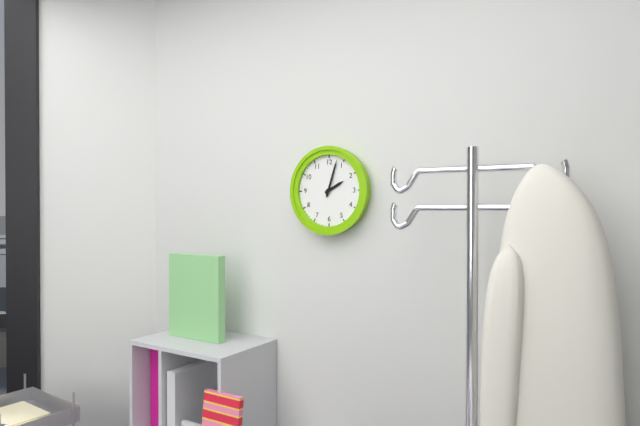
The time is 2,03
